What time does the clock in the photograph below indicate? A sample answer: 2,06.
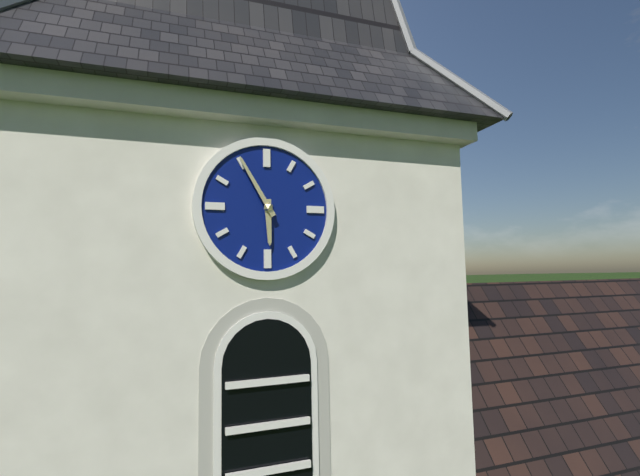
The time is 5,55
